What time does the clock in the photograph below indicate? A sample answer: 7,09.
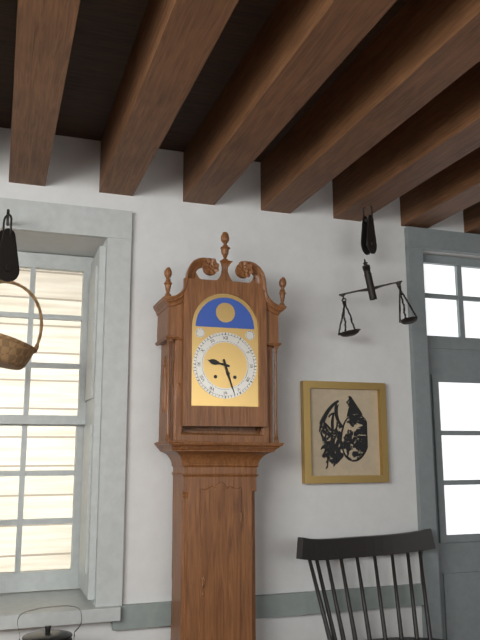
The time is 9,27
